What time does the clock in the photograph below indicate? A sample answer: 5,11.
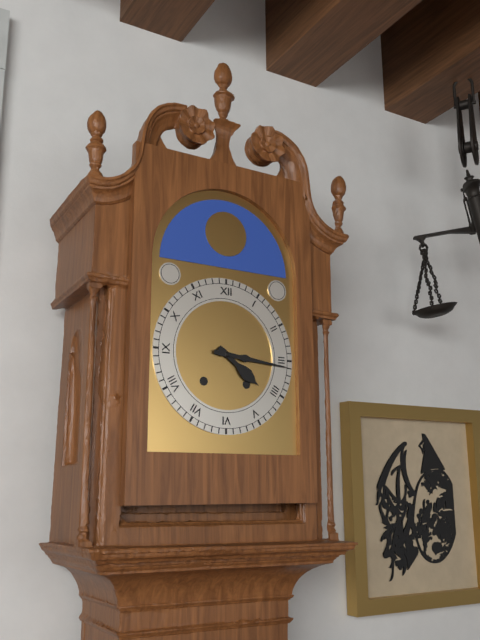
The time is 4,16
